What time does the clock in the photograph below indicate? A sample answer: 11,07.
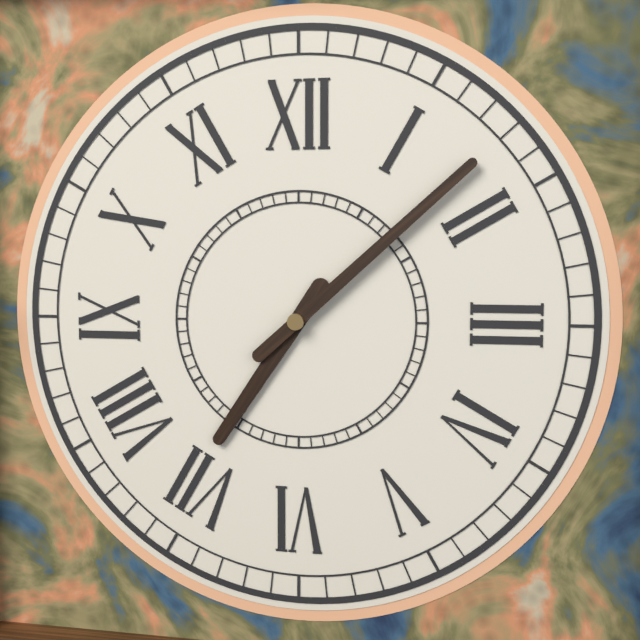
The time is 7,08
